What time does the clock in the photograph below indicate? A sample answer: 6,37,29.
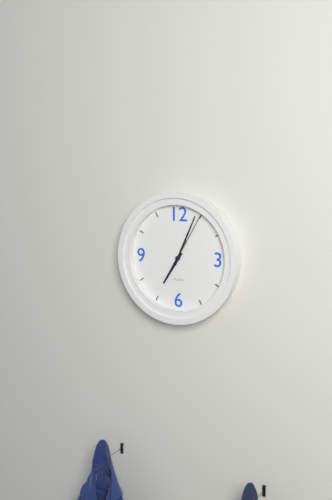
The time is 7,04,05
